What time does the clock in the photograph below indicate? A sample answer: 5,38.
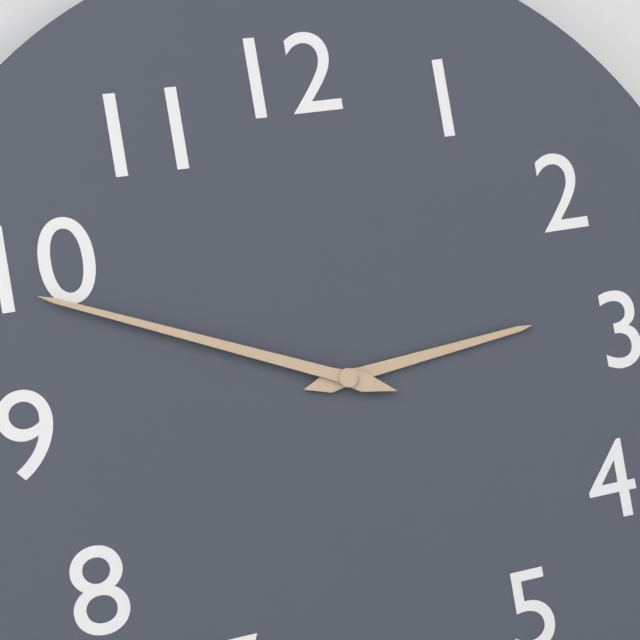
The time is 2,49
